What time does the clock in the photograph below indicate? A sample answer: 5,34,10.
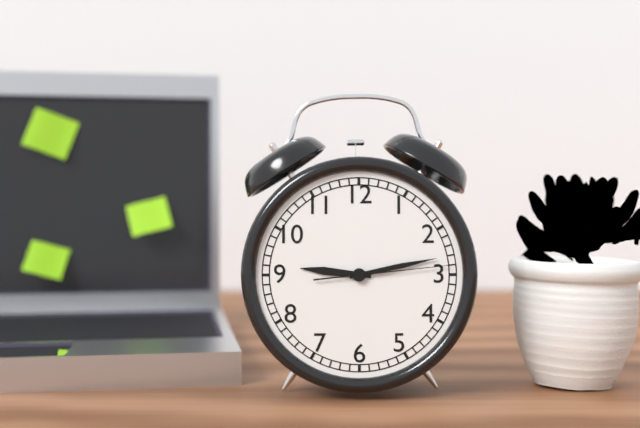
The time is 9,13,14
